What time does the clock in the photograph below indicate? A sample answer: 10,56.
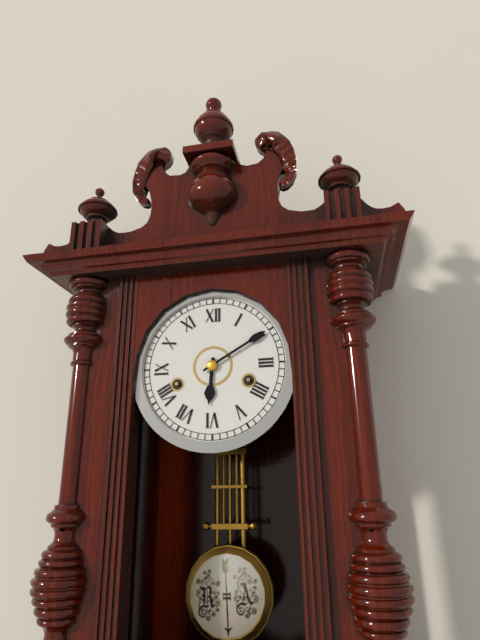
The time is 6,10
